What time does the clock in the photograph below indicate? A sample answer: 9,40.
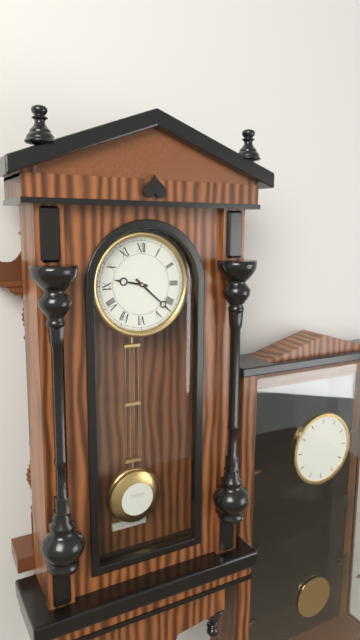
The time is 9,22
